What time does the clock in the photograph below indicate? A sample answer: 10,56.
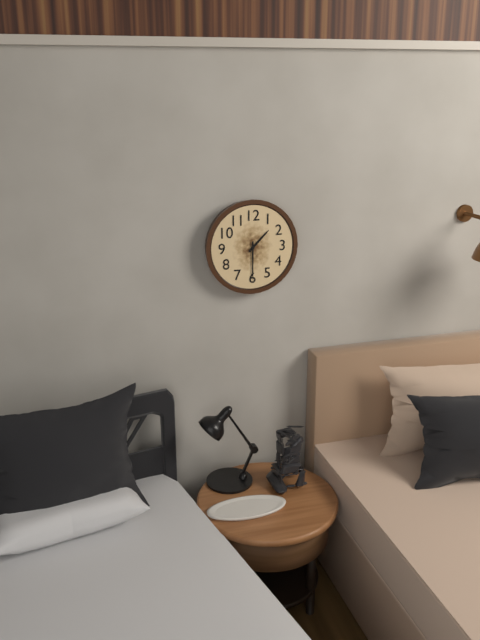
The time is 1,30
